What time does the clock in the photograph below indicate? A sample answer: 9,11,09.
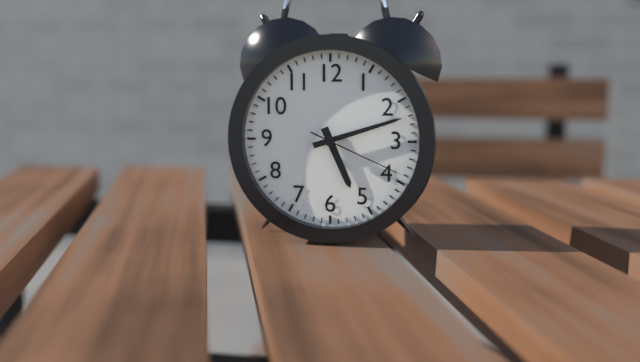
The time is 5,12,19
